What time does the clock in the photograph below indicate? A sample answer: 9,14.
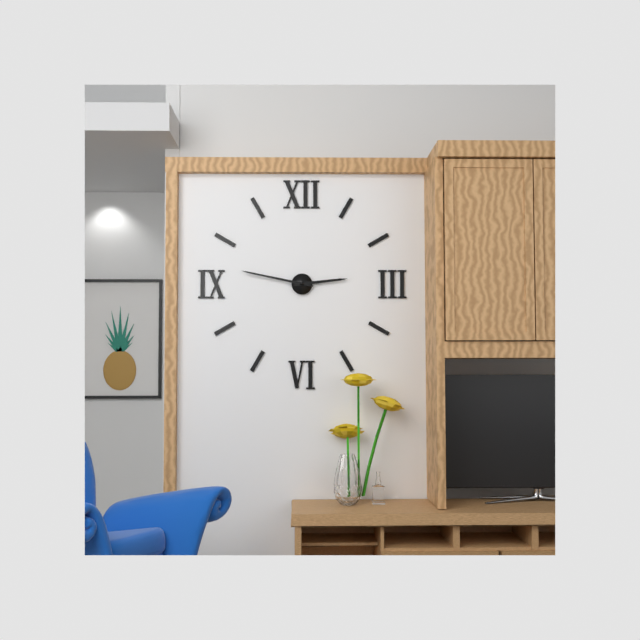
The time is 2,47
